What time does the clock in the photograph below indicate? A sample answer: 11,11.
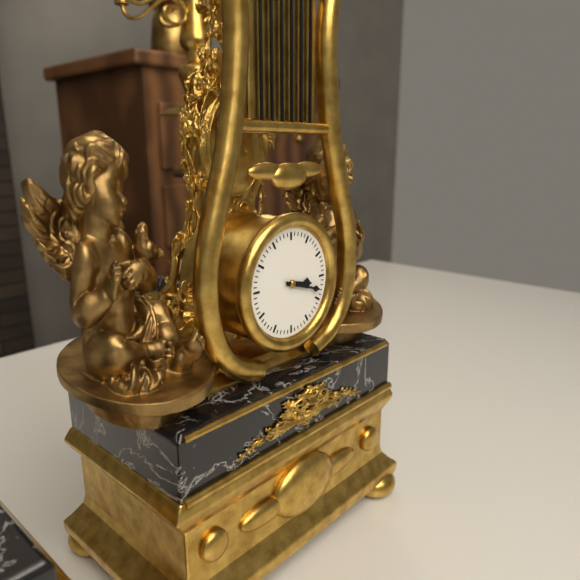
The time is 3,18
